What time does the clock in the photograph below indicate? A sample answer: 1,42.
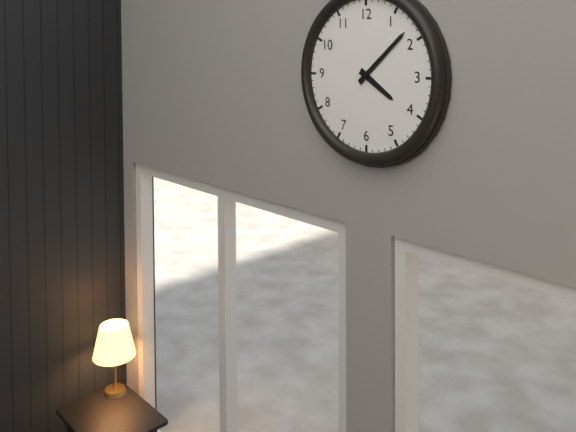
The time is 4,08
